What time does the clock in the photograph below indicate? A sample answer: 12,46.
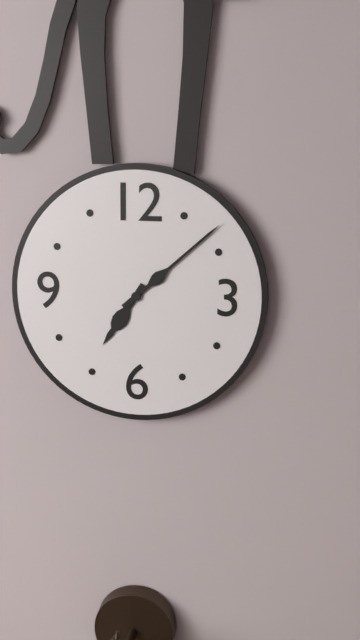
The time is 7,08
